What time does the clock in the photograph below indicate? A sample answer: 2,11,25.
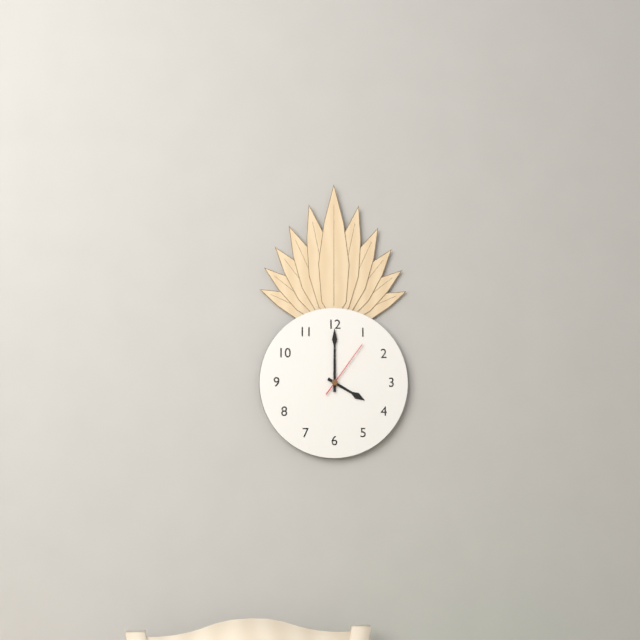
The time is 4,00,06
